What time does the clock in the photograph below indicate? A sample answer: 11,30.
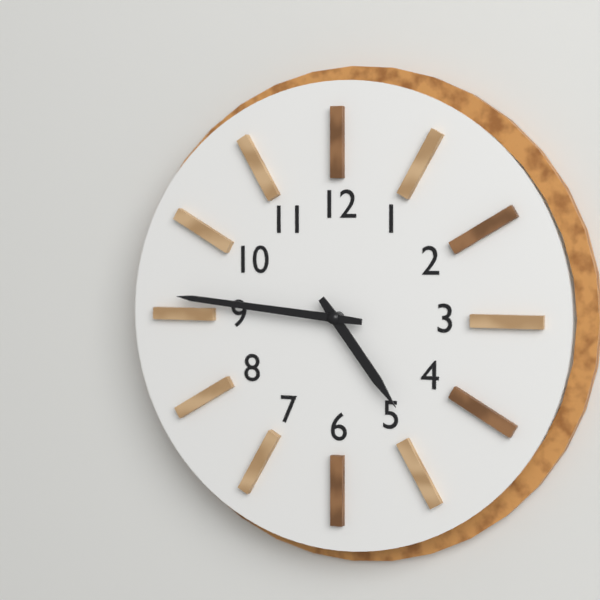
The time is 4,46
